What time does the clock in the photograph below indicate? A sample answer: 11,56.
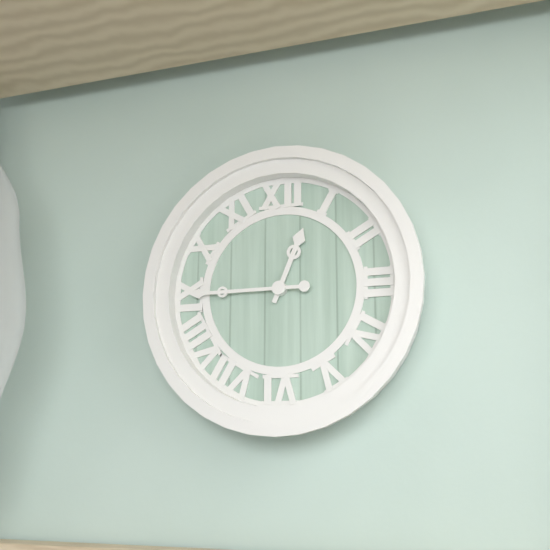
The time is 12,45
